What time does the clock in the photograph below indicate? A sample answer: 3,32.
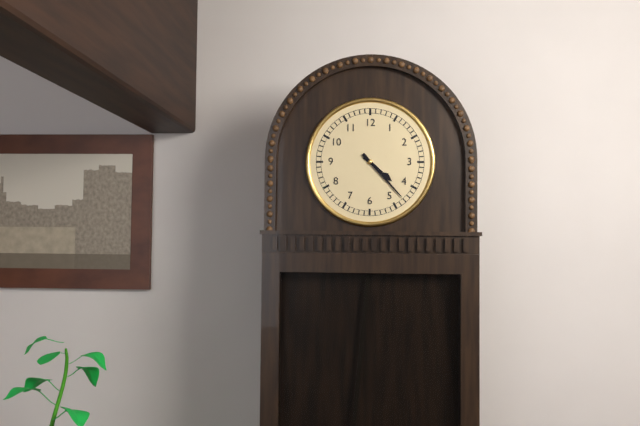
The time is 4,23
